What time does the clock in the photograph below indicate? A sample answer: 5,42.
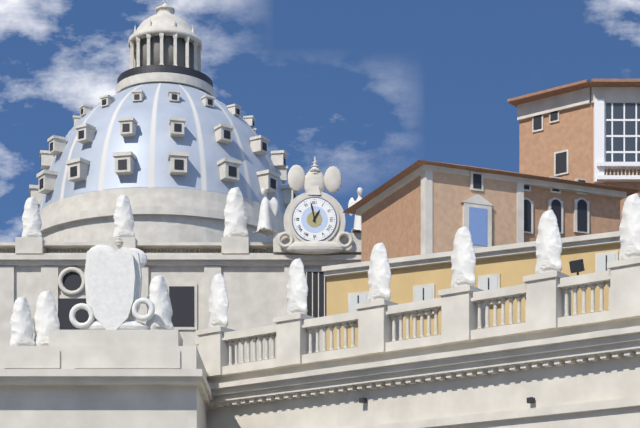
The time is 12,58
